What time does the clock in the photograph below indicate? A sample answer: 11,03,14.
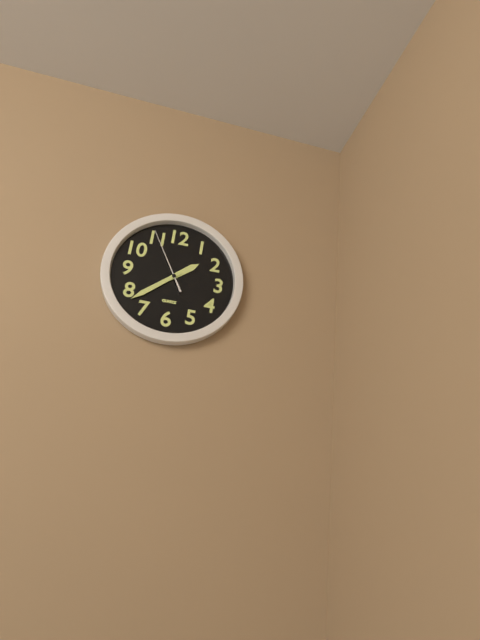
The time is 1,38,55
